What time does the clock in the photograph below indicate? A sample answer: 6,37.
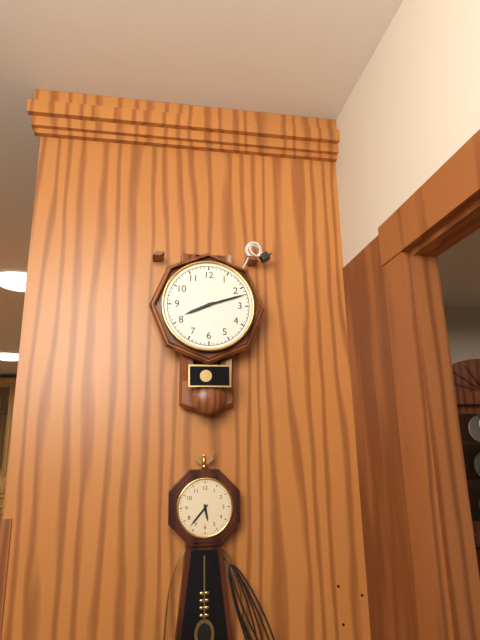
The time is 8,12
